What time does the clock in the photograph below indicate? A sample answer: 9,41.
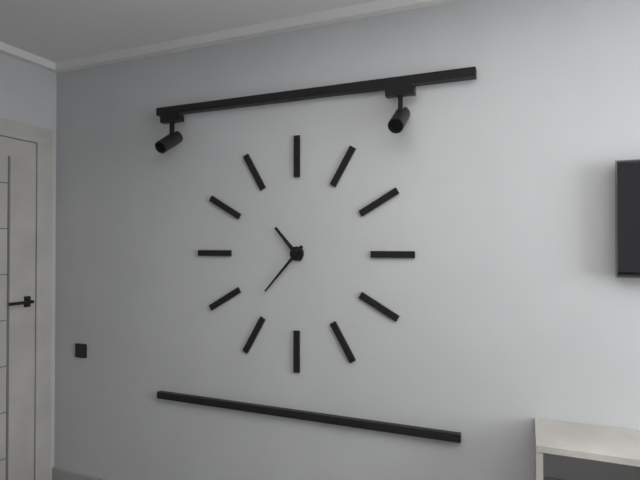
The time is 10,37
